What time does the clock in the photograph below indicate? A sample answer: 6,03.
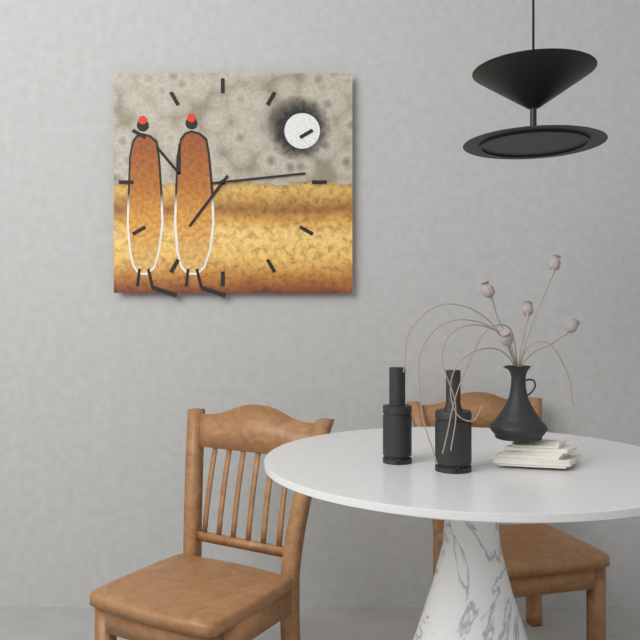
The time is 7,14
